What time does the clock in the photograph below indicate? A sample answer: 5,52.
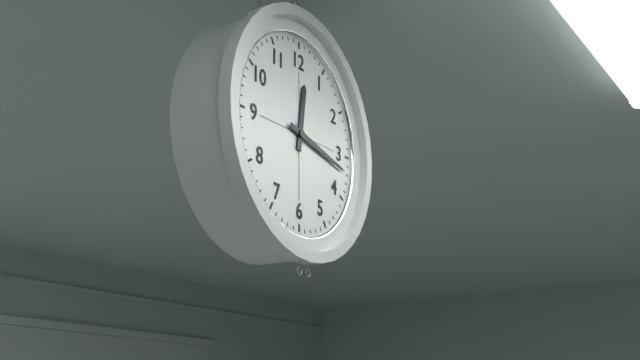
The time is 12,17
